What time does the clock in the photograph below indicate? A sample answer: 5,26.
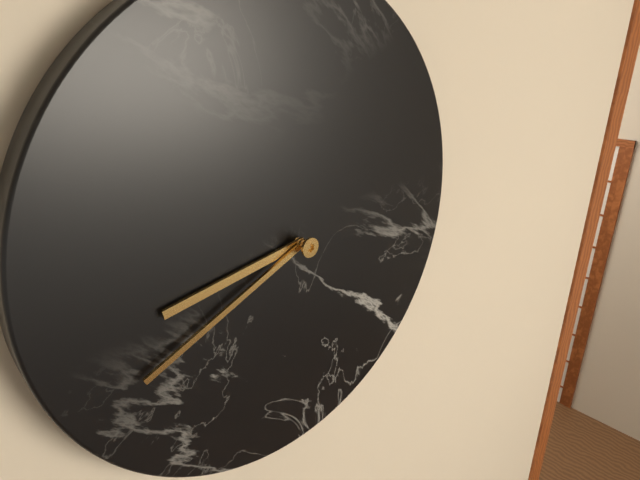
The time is 8,41
